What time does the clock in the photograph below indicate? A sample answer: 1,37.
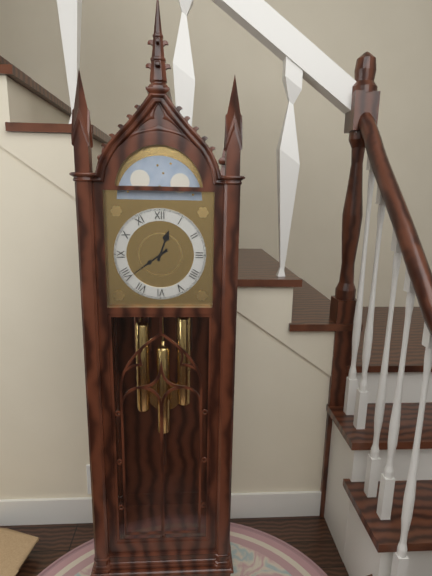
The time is 12,39
